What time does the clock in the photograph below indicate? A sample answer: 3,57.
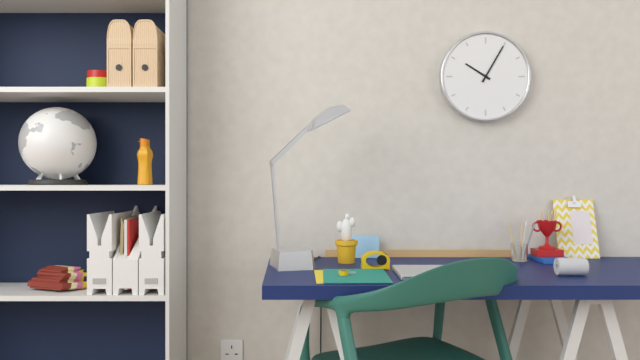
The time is 10,05
